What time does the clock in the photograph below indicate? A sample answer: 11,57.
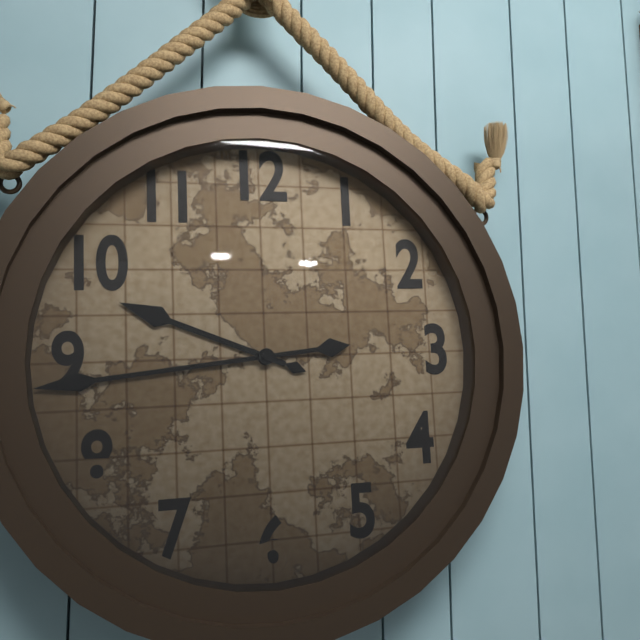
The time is 9,44
